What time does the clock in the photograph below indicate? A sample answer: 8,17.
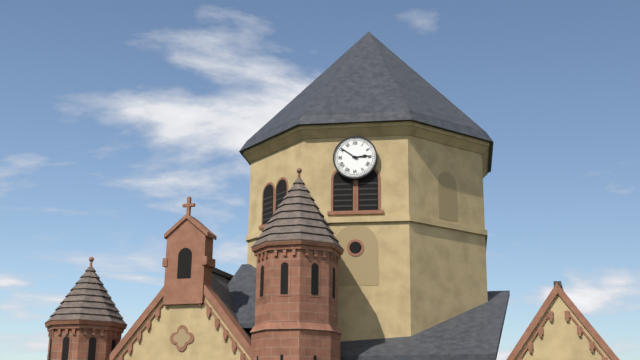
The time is 2,51
